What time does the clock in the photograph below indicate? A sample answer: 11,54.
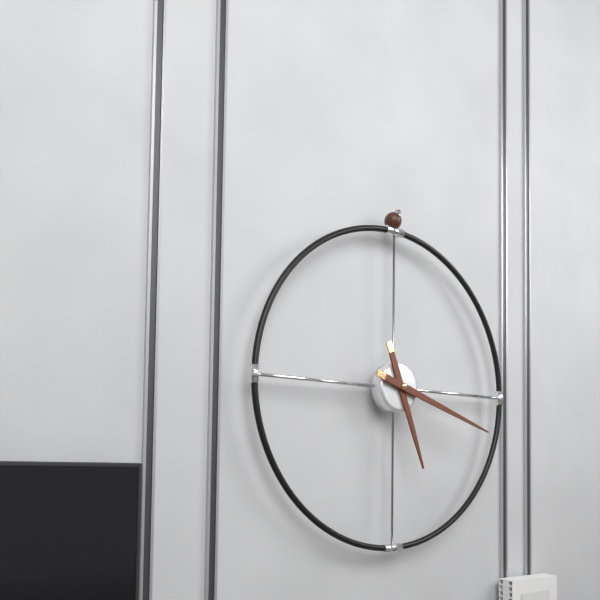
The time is 5,18
